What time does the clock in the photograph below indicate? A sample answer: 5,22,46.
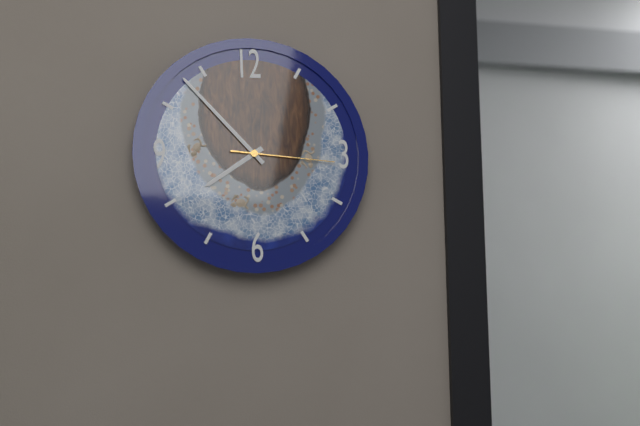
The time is 7,53,16
